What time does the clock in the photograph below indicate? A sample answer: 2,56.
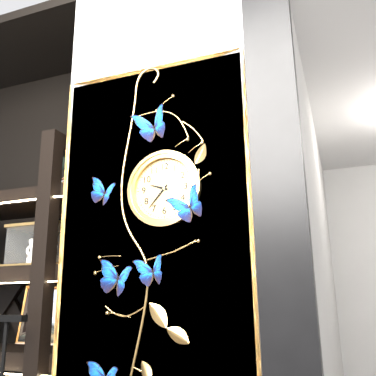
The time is 9,37
